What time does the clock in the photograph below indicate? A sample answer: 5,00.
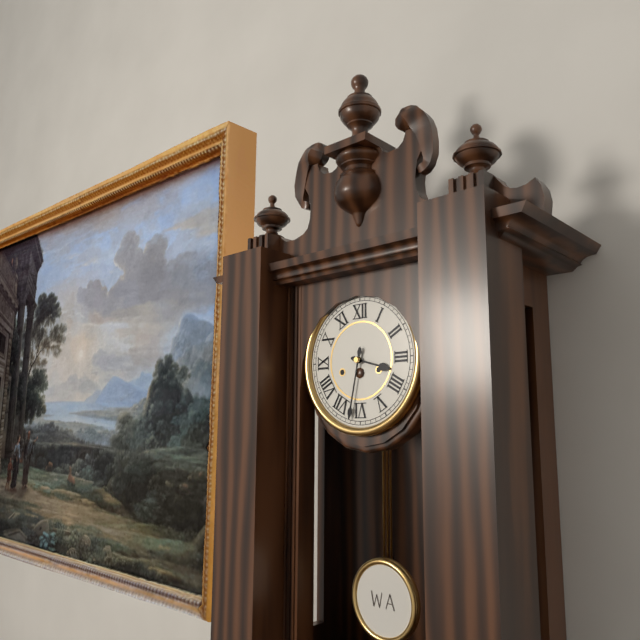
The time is 3,32
